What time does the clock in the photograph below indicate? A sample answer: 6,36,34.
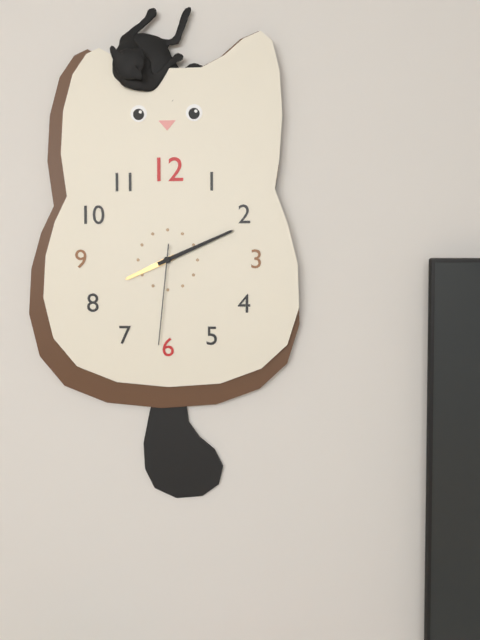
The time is 8,11,31
